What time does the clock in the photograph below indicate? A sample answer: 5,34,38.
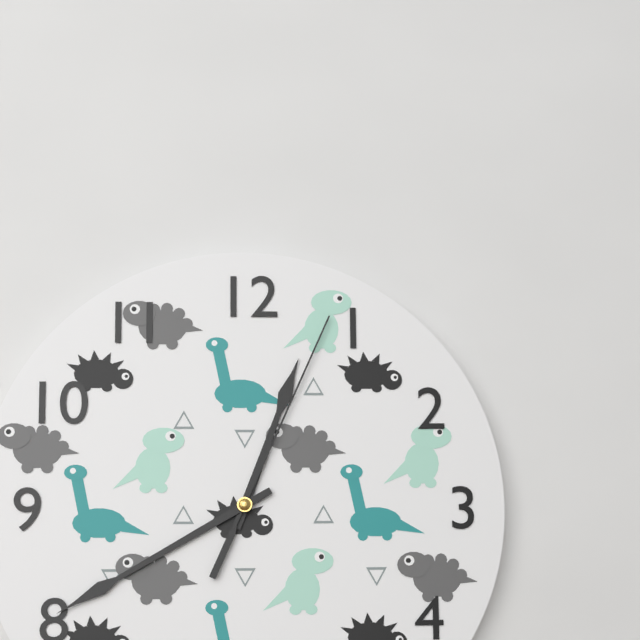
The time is 12,40,04
